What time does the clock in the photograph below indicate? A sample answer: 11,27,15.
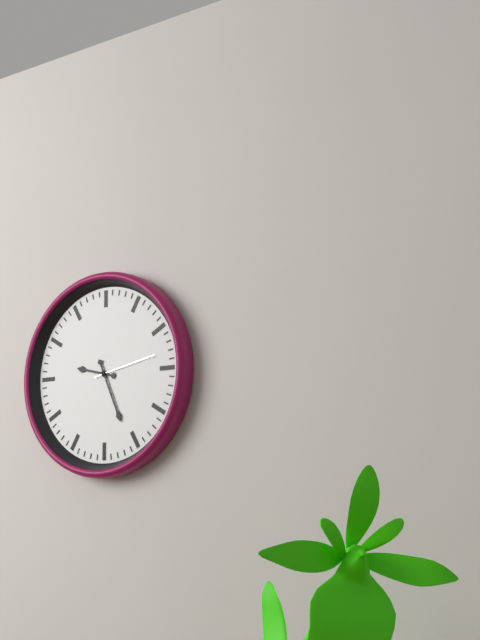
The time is 9,26,13
